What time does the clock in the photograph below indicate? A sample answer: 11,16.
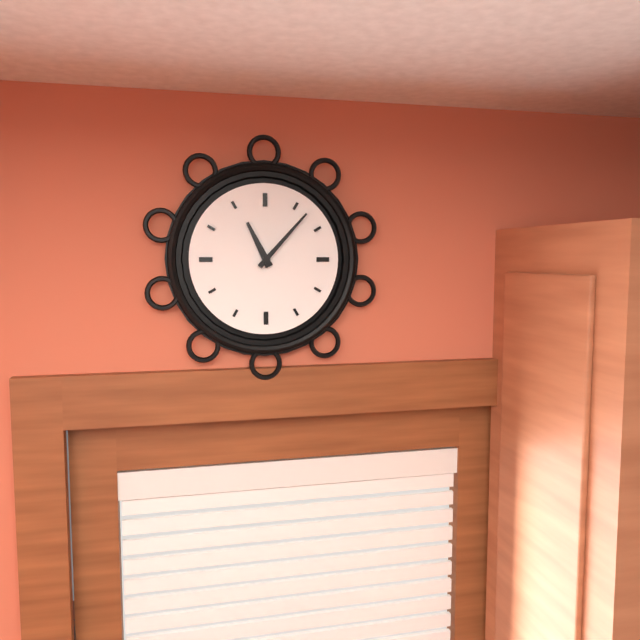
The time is 11,07
